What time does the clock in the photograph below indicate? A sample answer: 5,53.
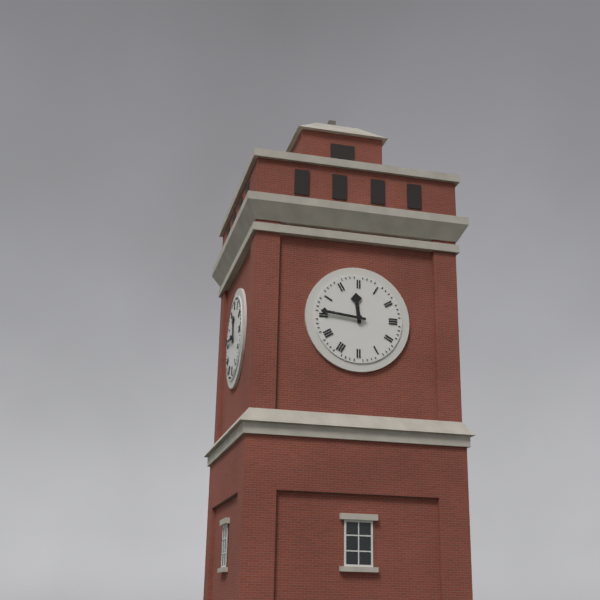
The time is 11,46
